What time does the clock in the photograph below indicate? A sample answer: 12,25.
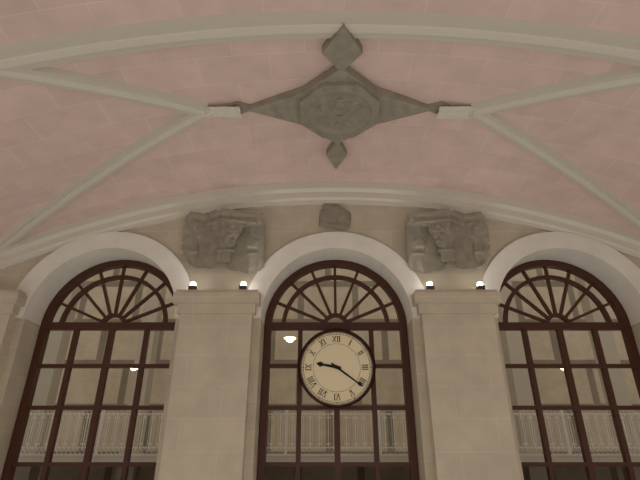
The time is 9,21
